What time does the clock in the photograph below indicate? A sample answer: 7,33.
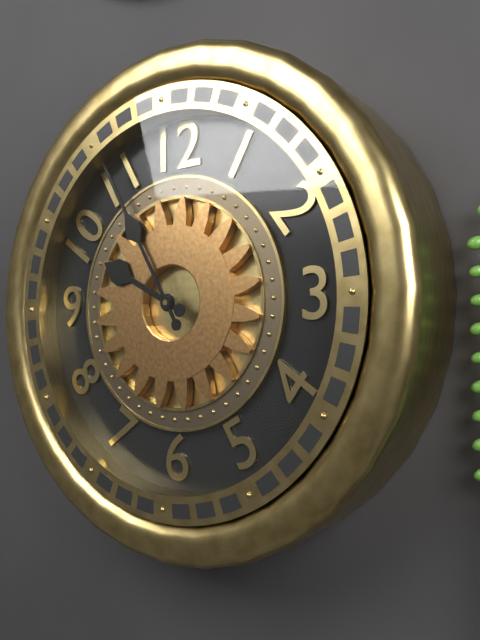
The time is 9,55
